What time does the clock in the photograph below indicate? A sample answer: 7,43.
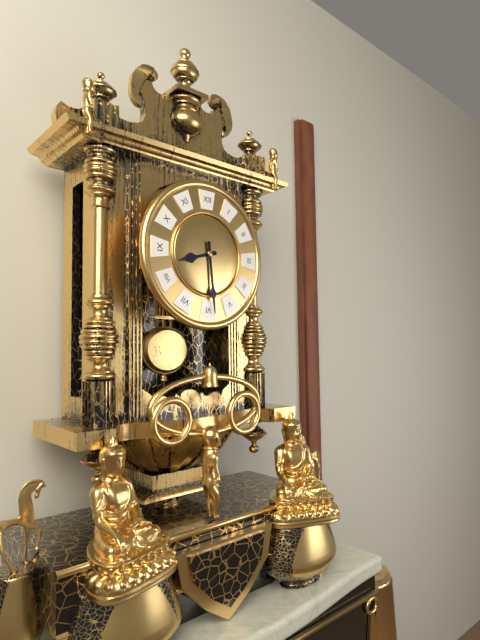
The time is 8,29
